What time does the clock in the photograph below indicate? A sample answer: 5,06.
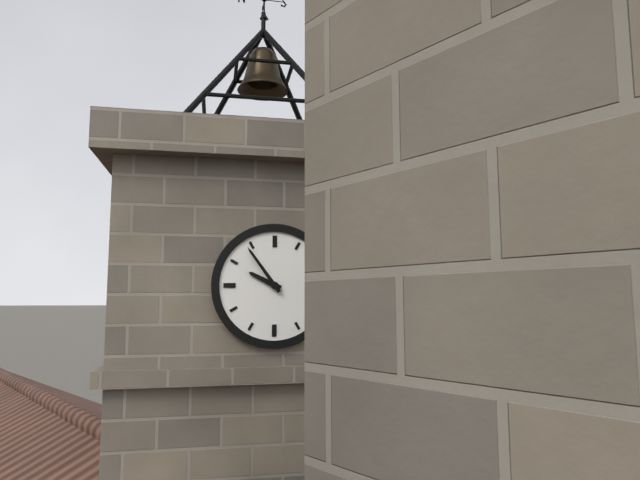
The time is 9,54
